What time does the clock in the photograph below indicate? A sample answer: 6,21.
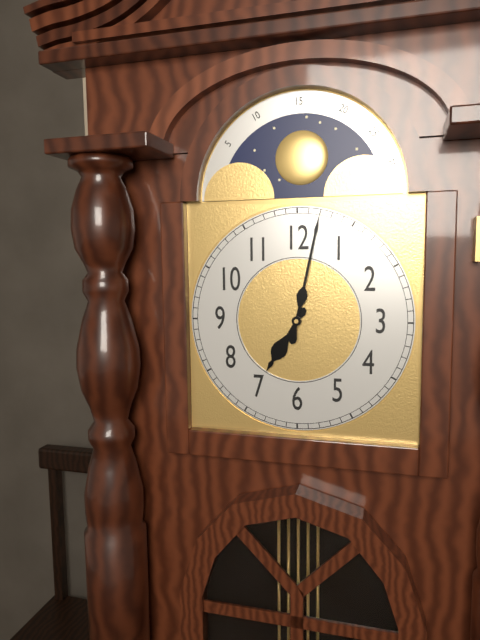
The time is 7,02
